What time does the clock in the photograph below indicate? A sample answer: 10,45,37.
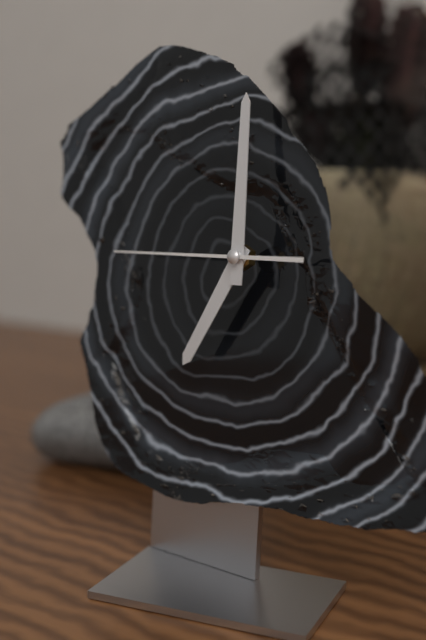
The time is 7,00,45
